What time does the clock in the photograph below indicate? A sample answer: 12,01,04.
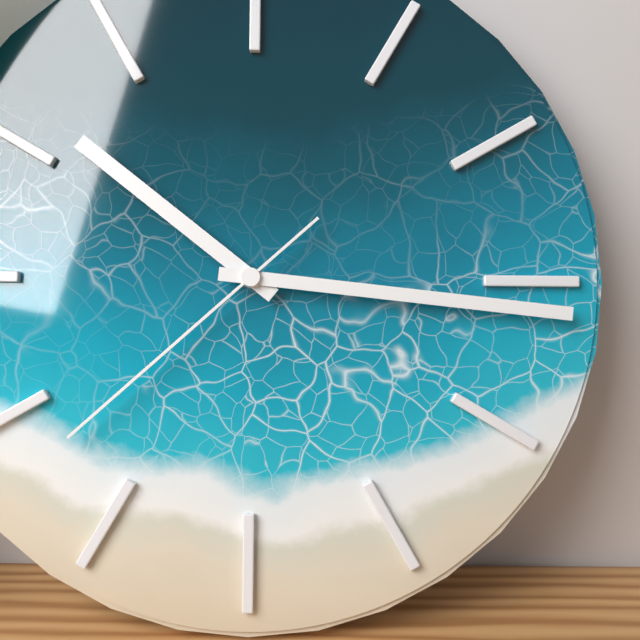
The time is 10,16,38
